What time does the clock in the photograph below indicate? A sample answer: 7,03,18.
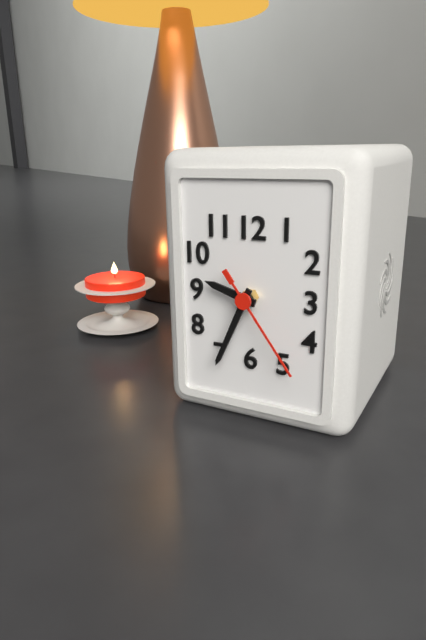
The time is 9,34,24
